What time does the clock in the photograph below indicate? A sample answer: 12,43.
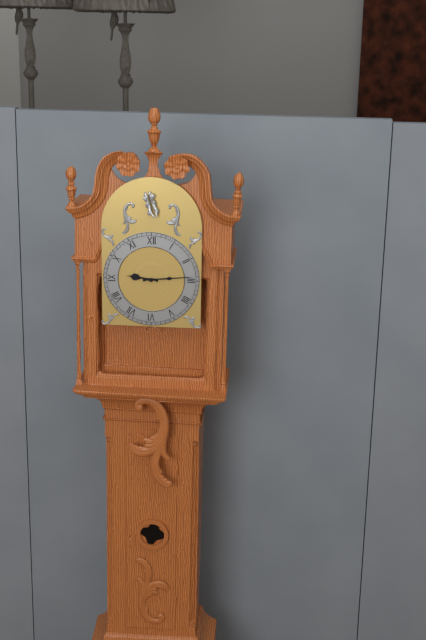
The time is 9,14
